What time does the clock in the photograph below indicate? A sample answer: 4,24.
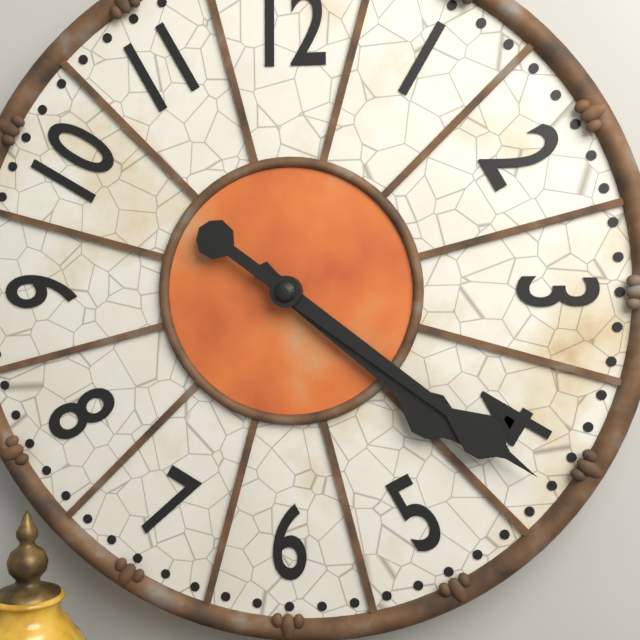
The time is 4,21
